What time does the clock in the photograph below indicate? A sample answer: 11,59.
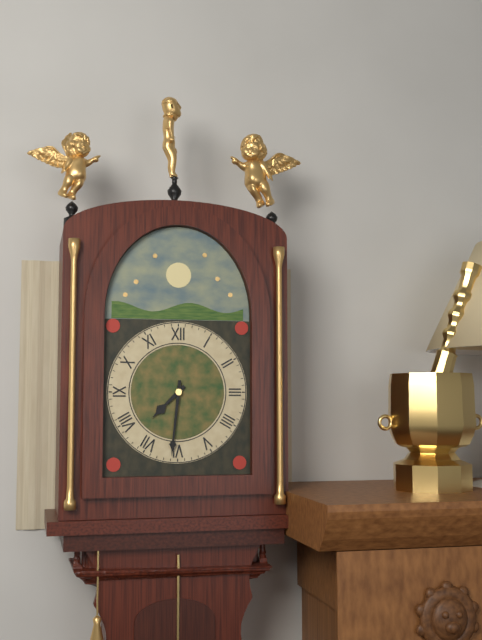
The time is 7,31
